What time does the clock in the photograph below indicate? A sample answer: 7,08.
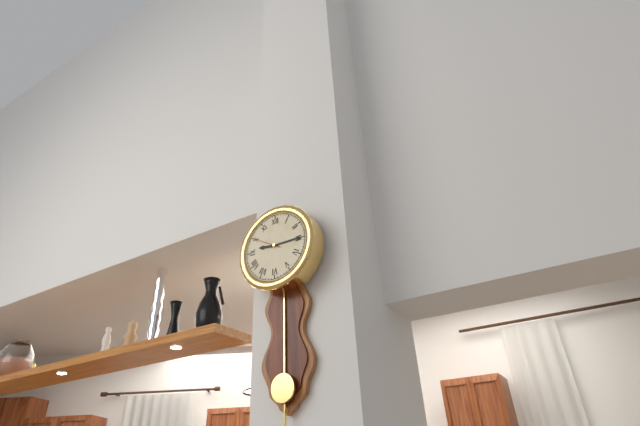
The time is 9,15
